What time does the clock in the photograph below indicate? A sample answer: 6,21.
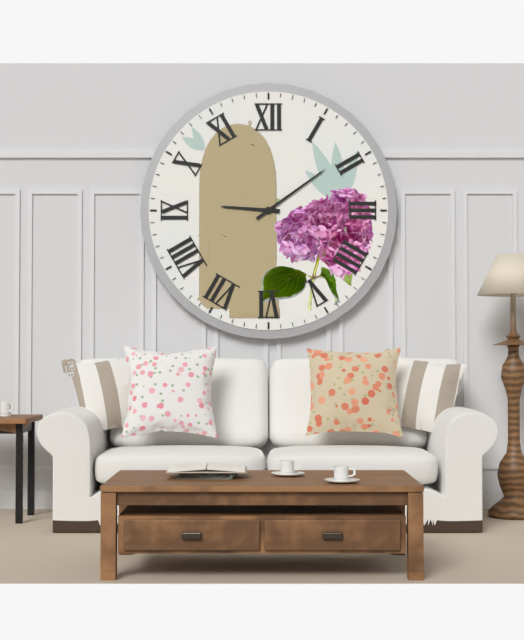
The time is 9,09
